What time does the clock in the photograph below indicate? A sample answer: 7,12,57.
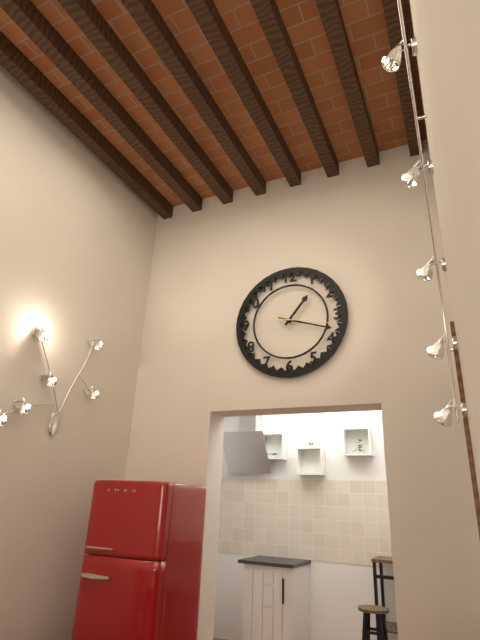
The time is 1,18,17
